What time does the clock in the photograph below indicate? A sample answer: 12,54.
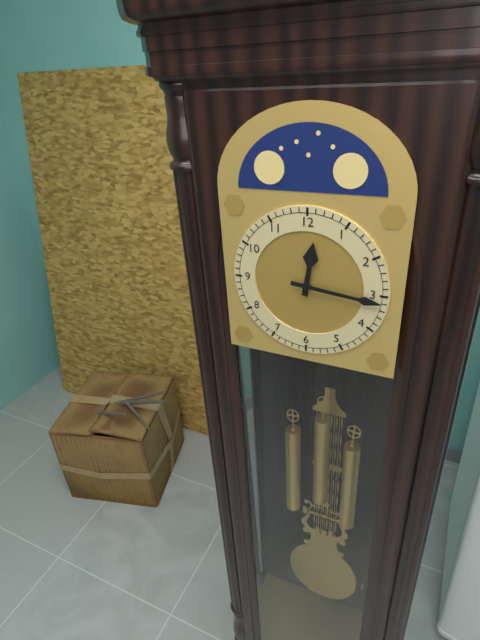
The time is 12,16
